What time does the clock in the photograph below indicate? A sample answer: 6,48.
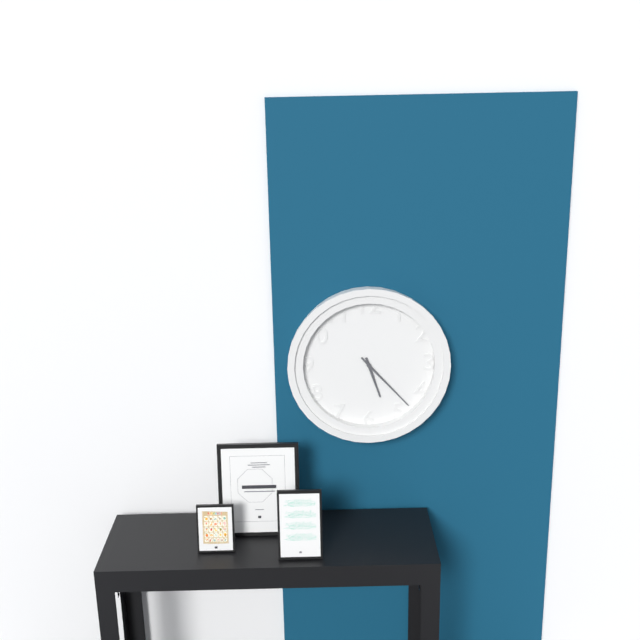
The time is 5,23
